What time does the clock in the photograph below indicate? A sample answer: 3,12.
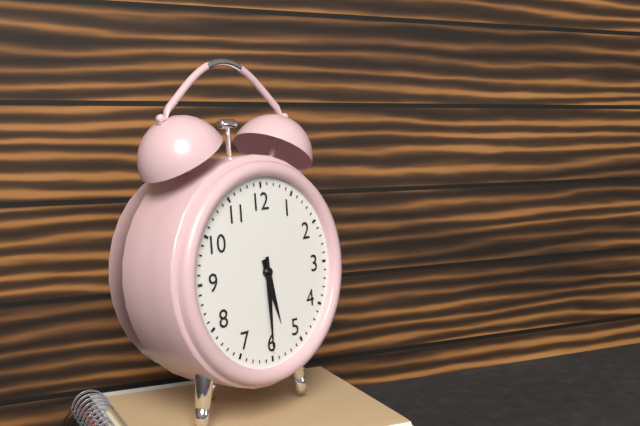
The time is 5,30
